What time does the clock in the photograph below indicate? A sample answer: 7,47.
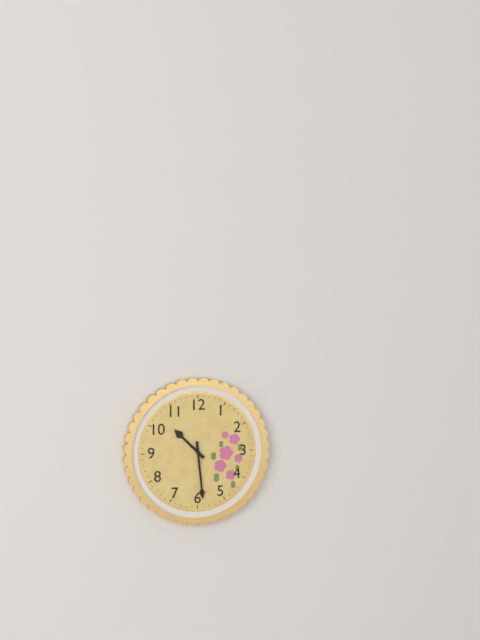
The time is 10,29
